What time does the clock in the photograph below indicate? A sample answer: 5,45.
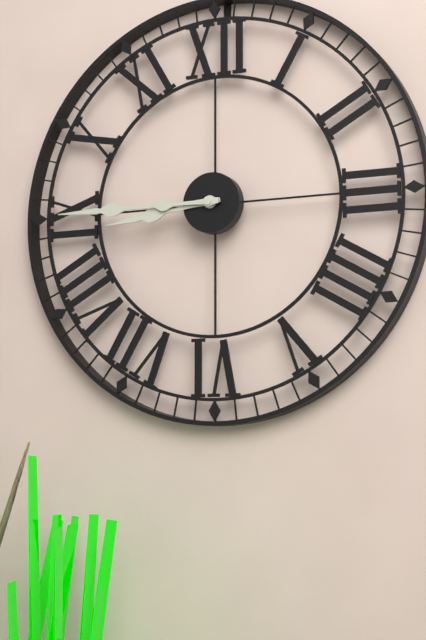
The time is 8,45
